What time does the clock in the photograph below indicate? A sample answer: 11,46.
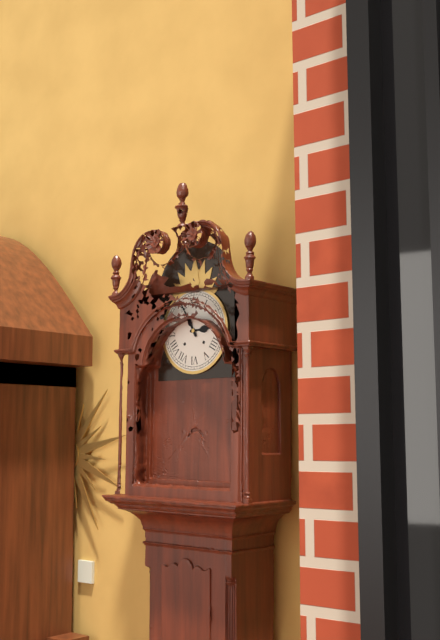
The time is 2,55
